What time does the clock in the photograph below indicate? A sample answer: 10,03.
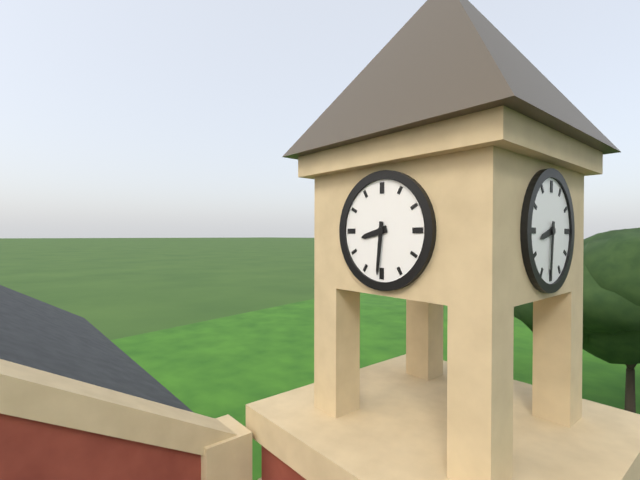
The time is 8,31
